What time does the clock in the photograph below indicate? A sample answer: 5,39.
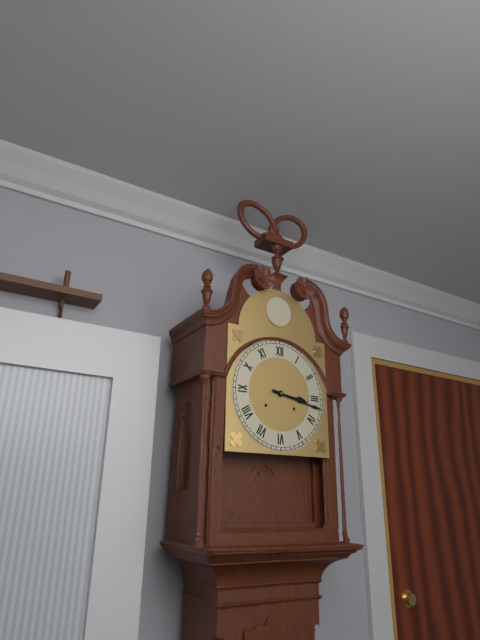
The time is 3,17
